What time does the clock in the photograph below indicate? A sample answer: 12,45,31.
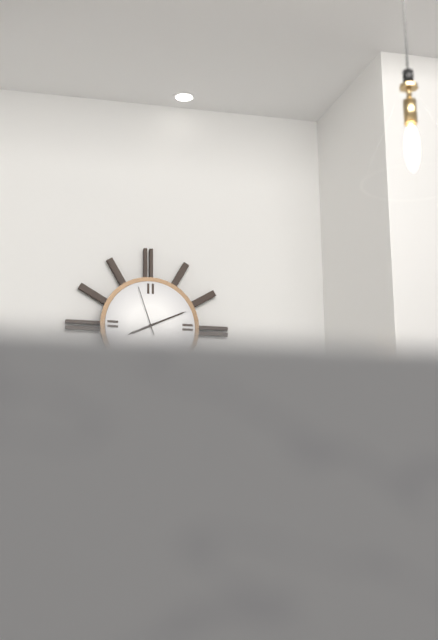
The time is 8,11,57
